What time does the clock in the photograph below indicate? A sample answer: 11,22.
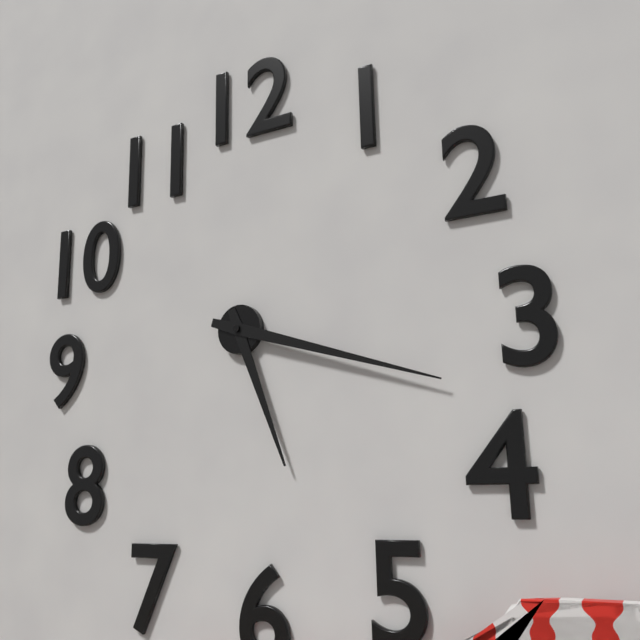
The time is 5,18
